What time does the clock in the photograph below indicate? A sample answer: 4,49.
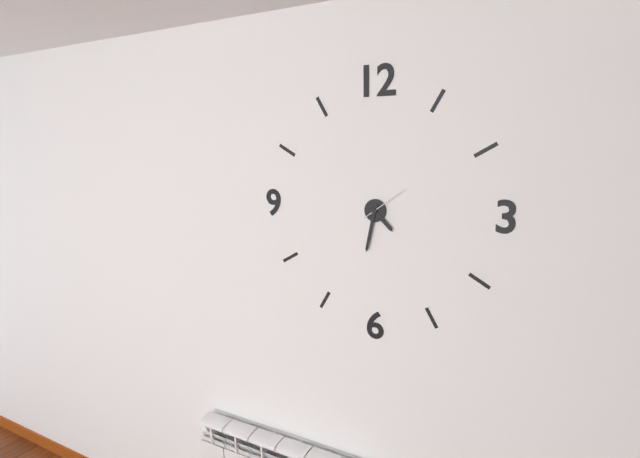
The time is 4,32
